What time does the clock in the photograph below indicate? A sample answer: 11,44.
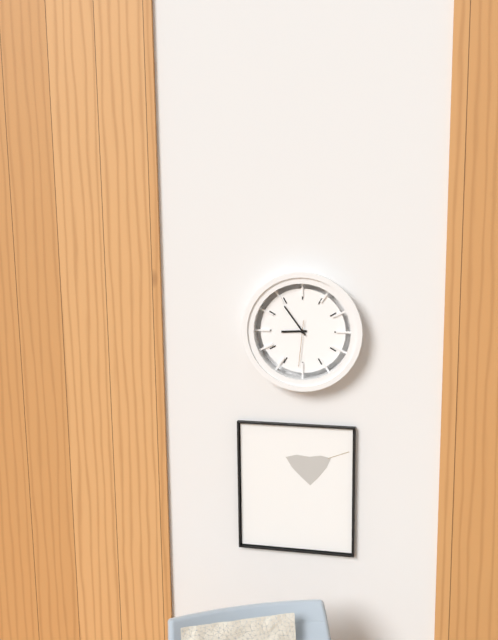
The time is 8,54
